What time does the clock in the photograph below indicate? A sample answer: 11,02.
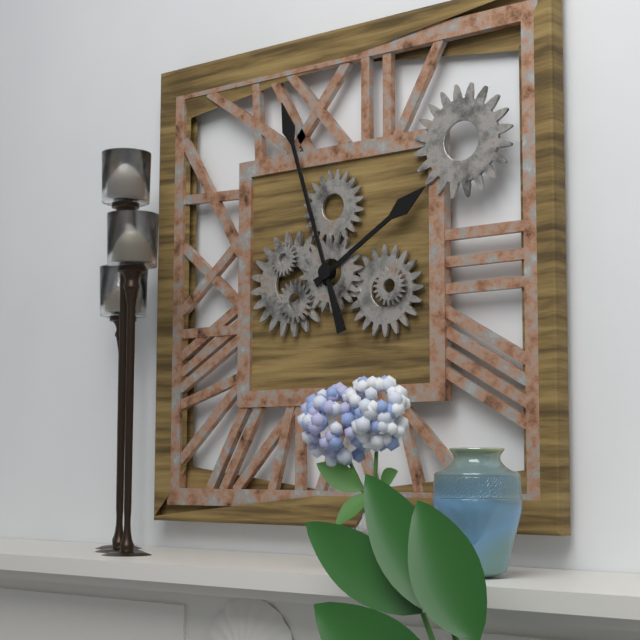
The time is 1,57
